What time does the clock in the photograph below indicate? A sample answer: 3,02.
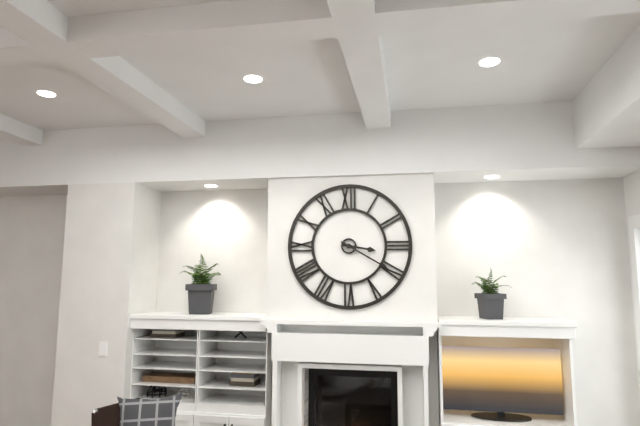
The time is 3,20
